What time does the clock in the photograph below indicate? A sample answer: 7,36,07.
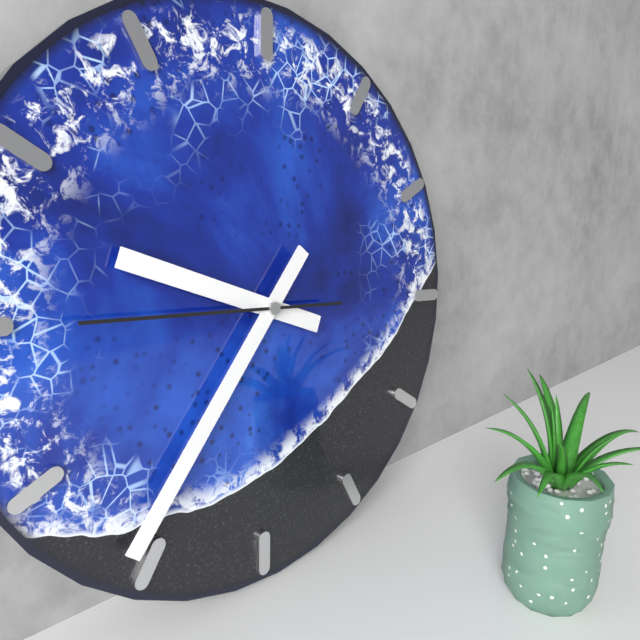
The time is 9,36,45
